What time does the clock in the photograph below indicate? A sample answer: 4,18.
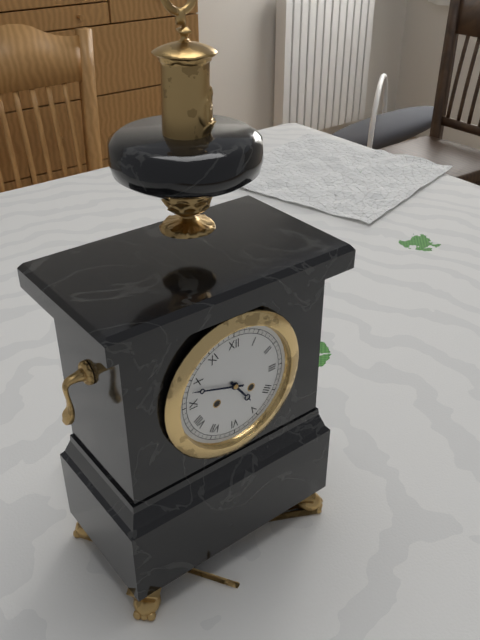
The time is 4,48
